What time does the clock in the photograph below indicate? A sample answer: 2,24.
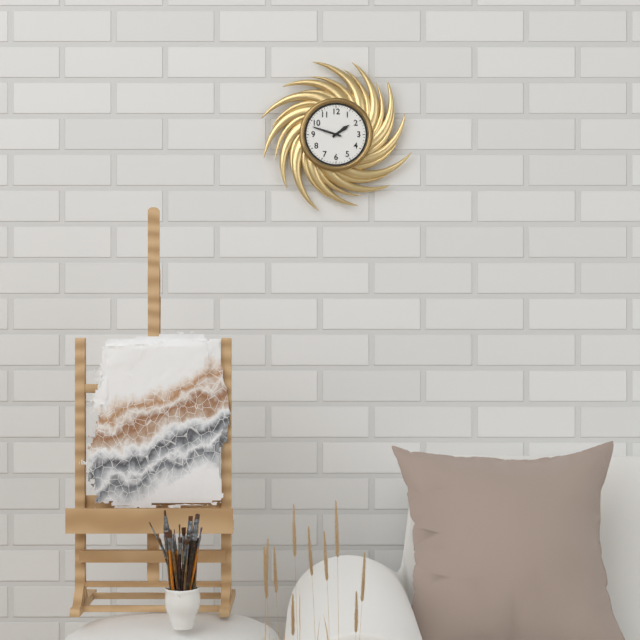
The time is 1,48
